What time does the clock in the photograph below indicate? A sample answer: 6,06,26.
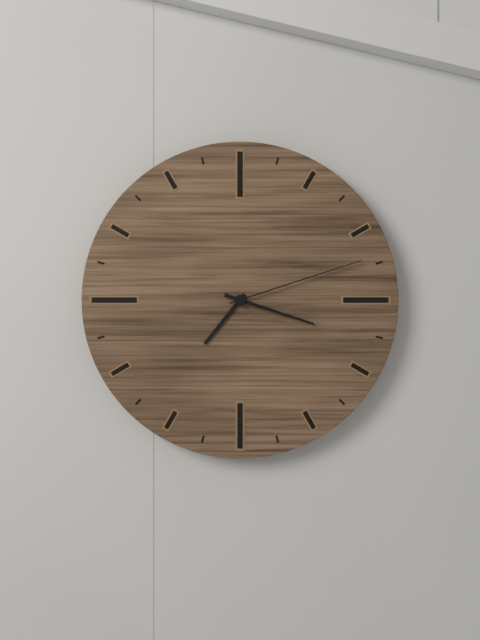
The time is 7,18,12
